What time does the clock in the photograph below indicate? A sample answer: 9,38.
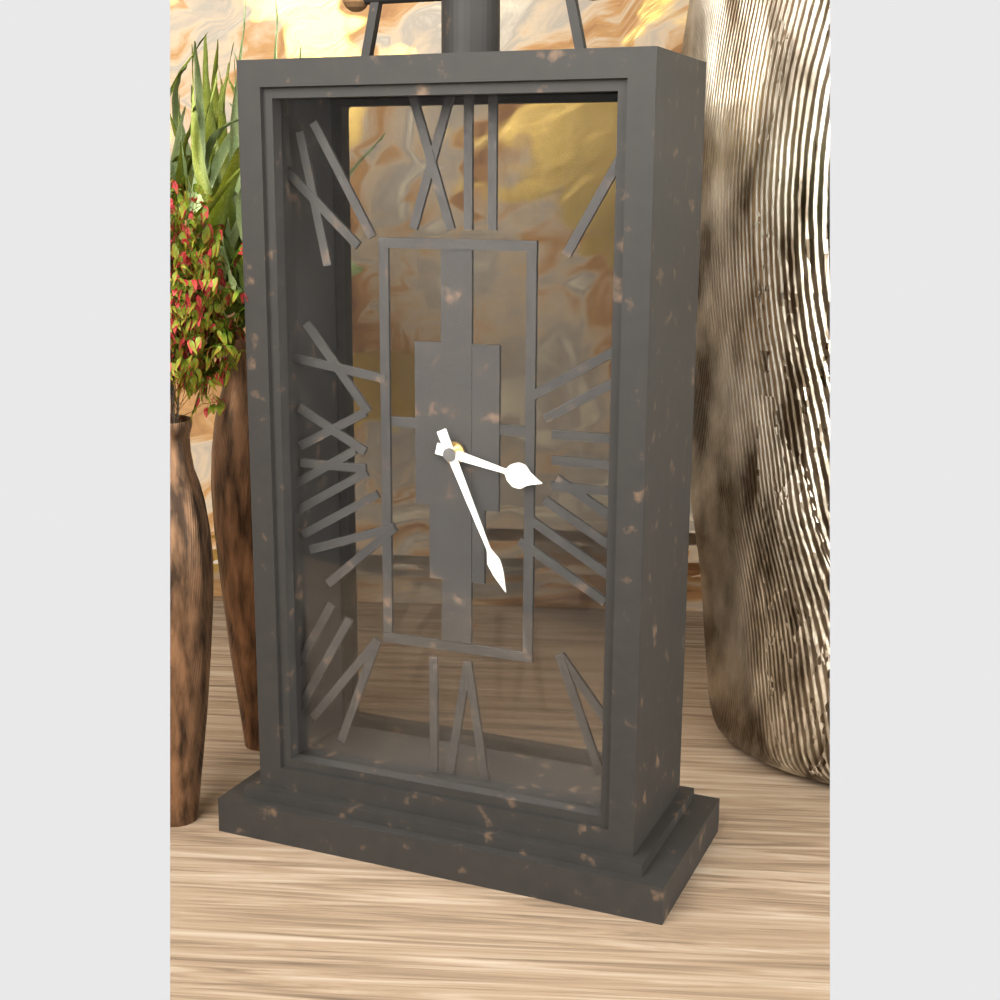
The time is 3,26
